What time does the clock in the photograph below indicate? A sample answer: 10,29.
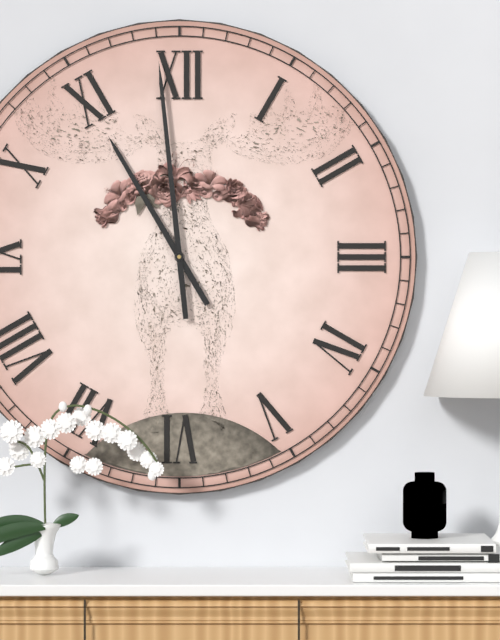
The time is 10,59
